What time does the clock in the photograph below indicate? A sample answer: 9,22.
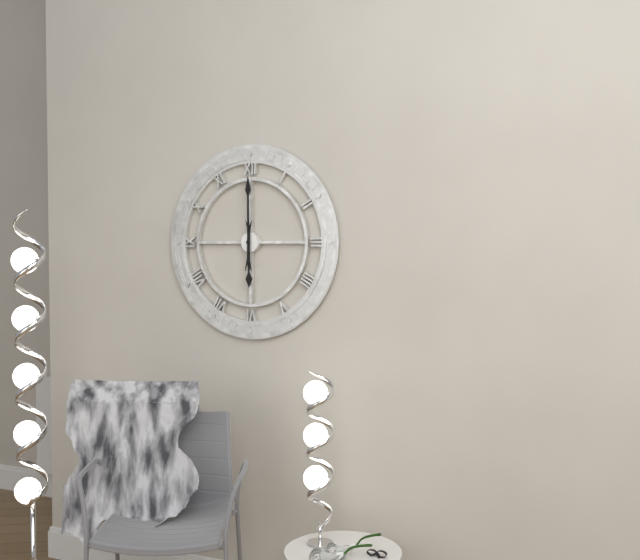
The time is 6,00
